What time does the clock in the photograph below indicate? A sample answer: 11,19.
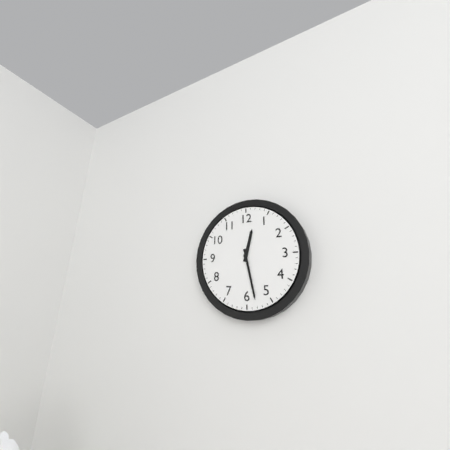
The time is 12,28
